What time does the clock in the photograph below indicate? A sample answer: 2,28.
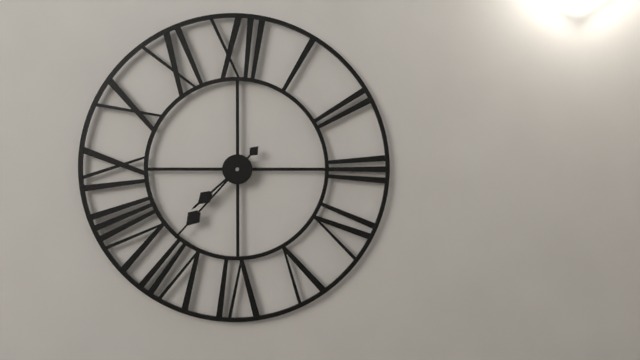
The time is 7,37
